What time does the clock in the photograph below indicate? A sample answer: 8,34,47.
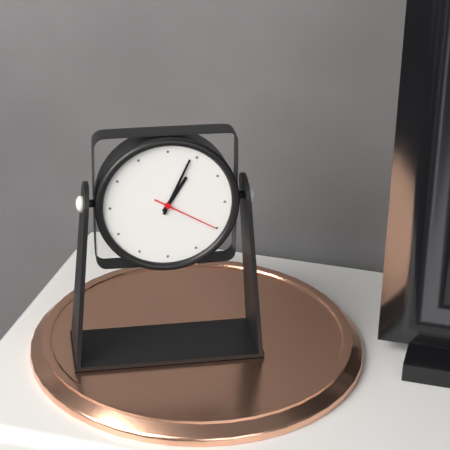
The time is 1,04,20
